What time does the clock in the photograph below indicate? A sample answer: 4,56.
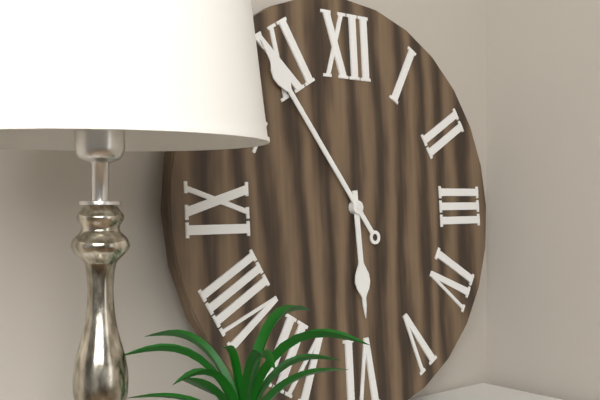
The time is 5,54
